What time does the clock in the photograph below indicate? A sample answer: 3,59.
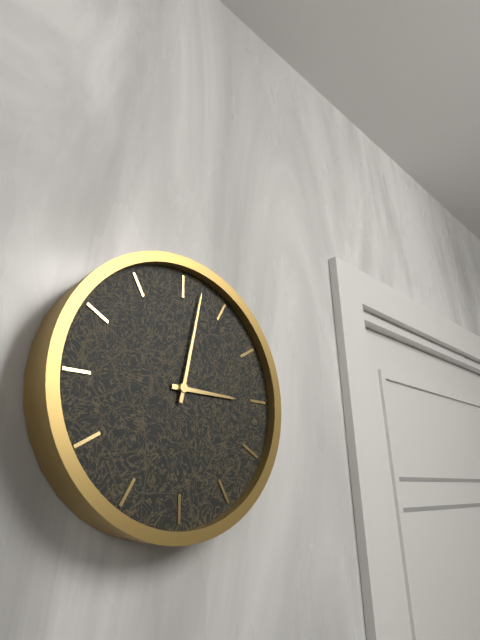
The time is 3,02
